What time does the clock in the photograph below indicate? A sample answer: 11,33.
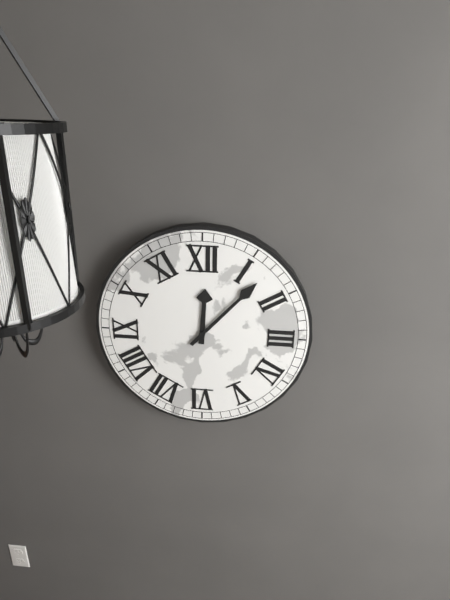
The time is 12,07
